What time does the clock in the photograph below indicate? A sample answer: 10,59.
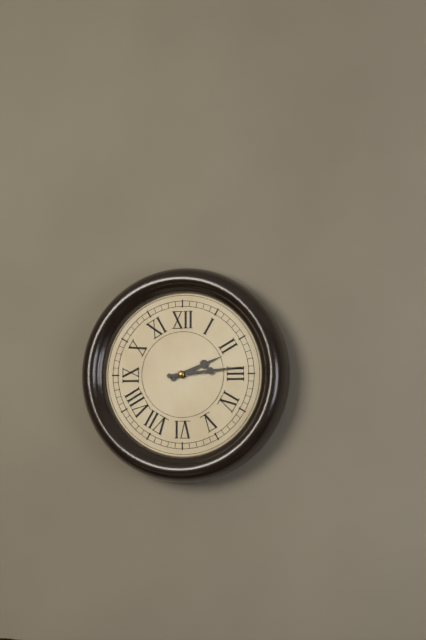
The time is 2,14
